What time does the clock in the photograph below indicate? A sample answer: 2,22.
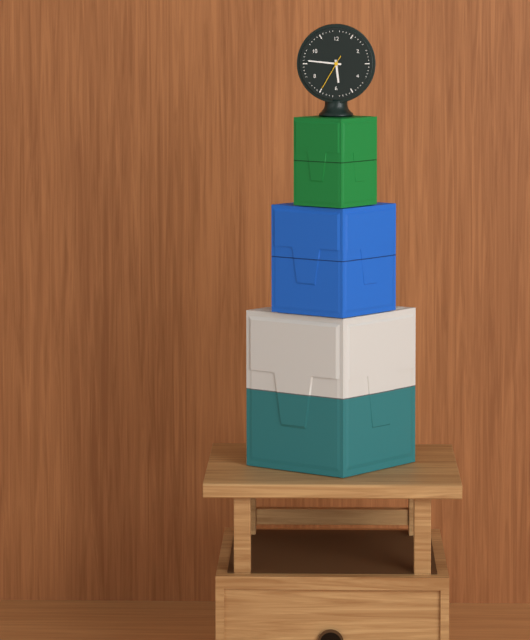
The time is 5,46
